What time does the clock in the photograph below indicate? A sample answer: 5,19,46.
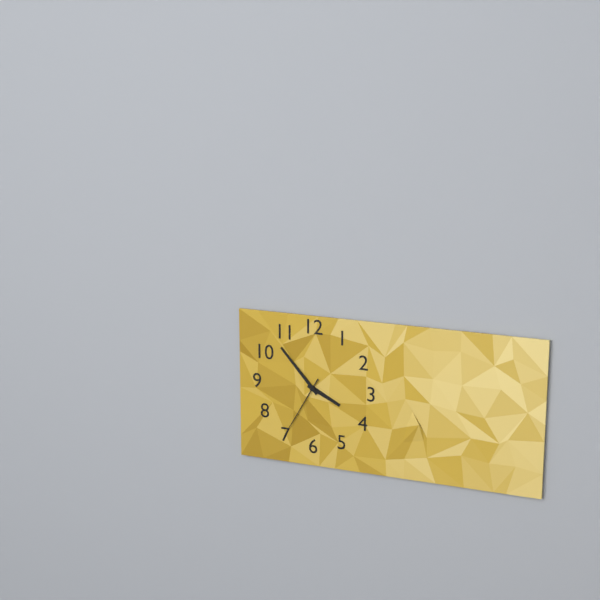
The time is 3,53,35
